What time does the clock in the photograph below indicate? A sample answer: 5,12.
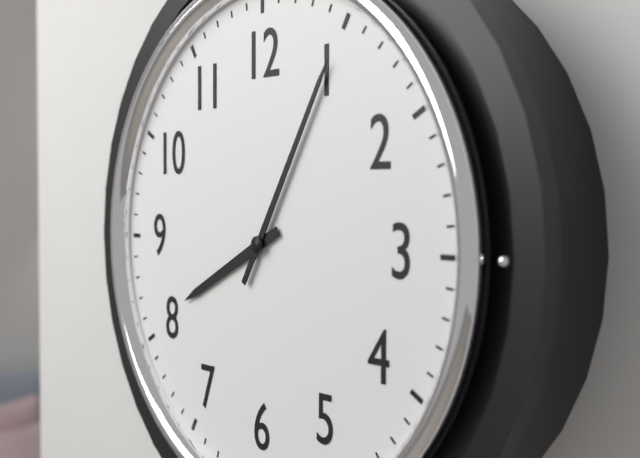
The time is 8,05
